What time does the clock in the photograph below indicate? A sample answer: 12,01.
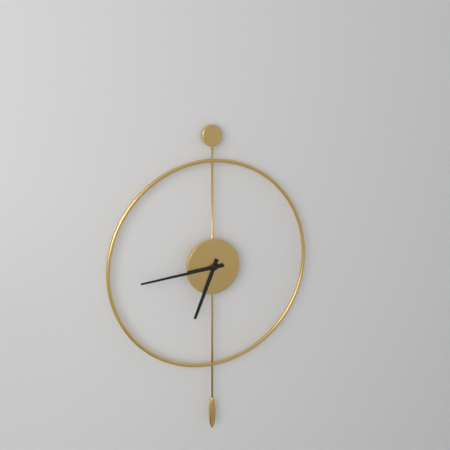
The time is 6,44
